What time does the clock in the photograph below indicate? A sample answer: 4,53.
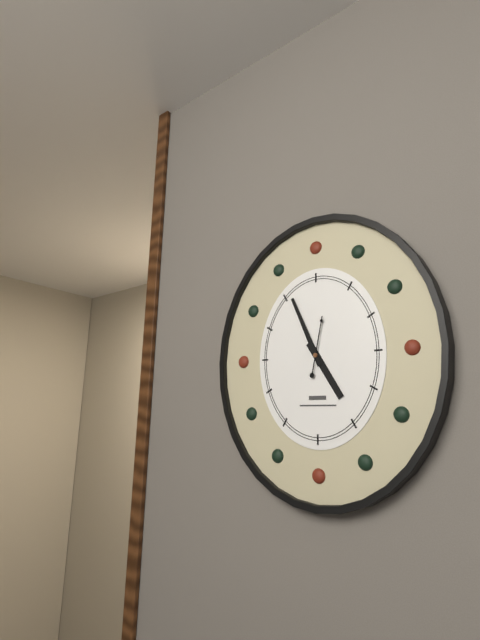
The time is 4,56
